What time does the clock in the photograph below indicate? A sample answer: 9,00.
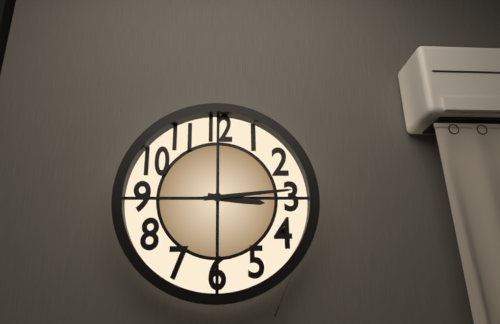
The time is 3,14
